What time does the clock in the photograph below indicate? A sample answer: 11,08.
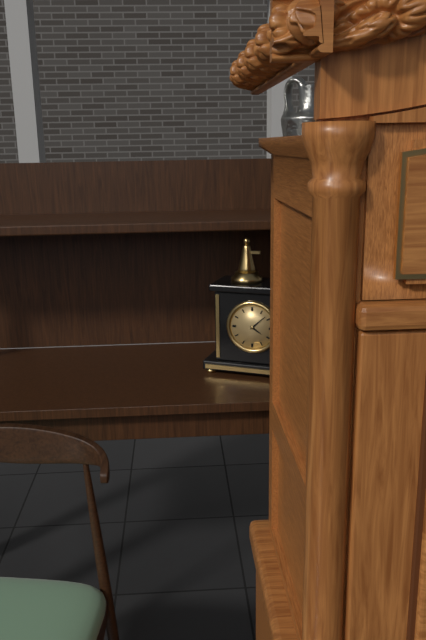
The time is 4,08
